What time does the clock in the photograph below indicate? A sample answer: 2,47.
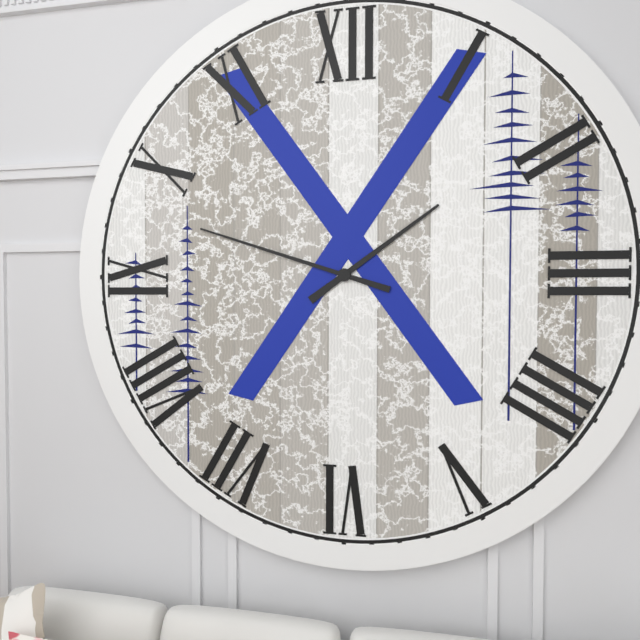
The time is 1,48
